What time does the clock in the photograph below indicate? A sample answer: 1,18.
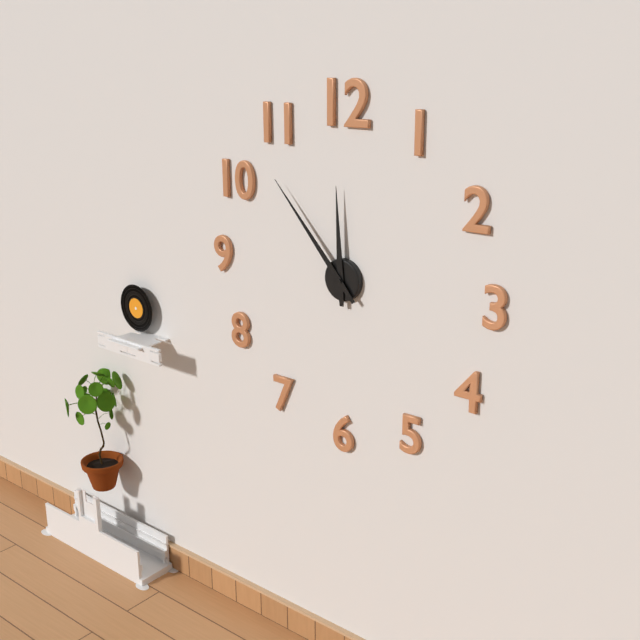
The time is 11,53
